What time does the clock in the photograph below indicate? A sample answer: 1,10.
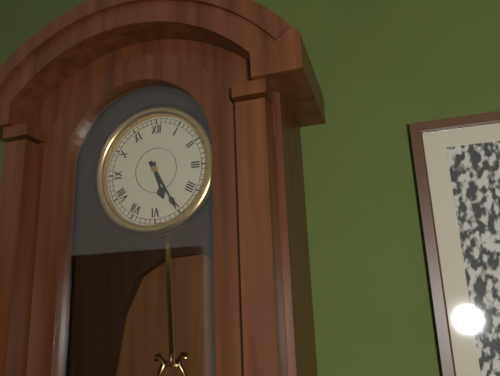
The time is 5,25
